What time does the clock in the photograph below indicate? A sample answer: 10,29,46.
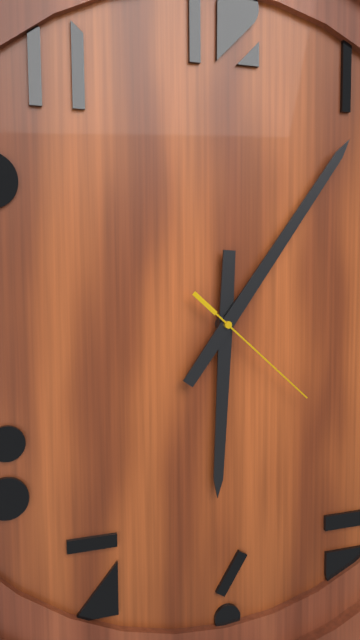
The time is 6,06,22
